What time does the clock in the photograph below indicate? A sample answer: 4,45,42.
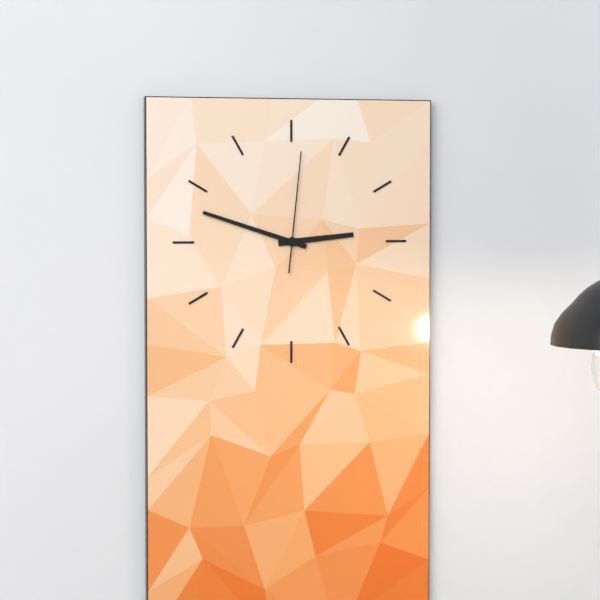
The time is 2,48,01
